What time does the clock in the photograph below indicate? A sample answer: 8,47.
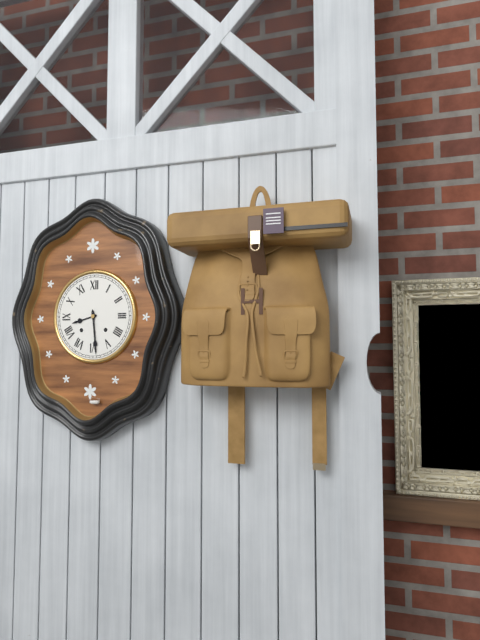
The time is 8,29
